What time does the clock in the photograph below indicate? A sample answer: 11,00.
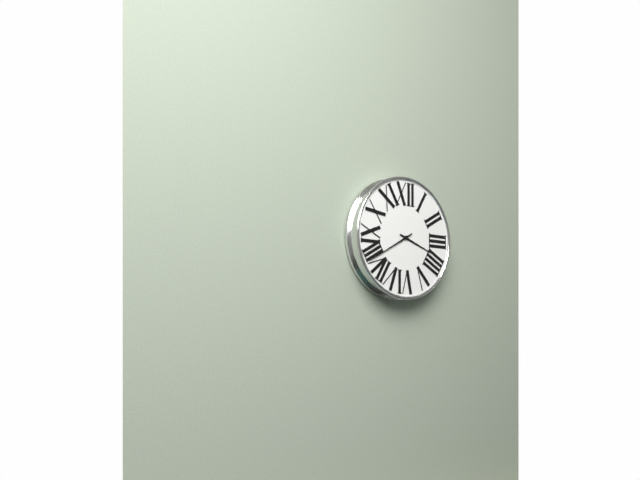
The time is 3,40
